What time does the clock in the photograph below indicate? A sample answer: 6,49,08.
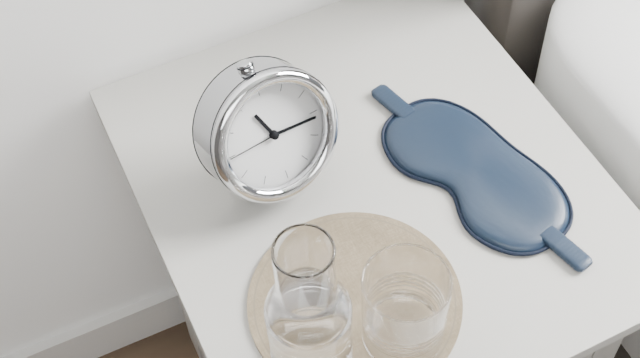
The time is 11,16,45
